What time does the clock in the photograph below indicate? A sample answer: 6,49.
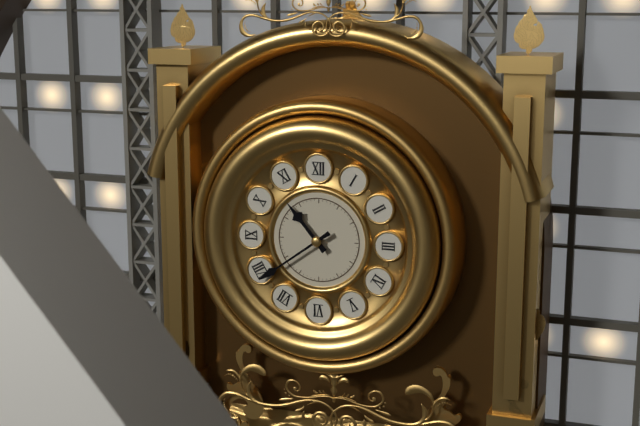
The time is 10,39
